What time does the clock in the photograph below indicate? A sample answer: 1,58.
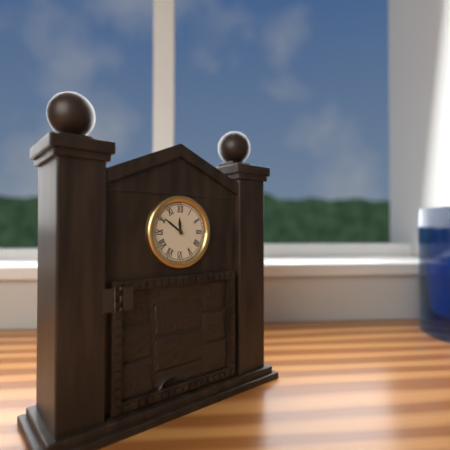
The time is 11,51
